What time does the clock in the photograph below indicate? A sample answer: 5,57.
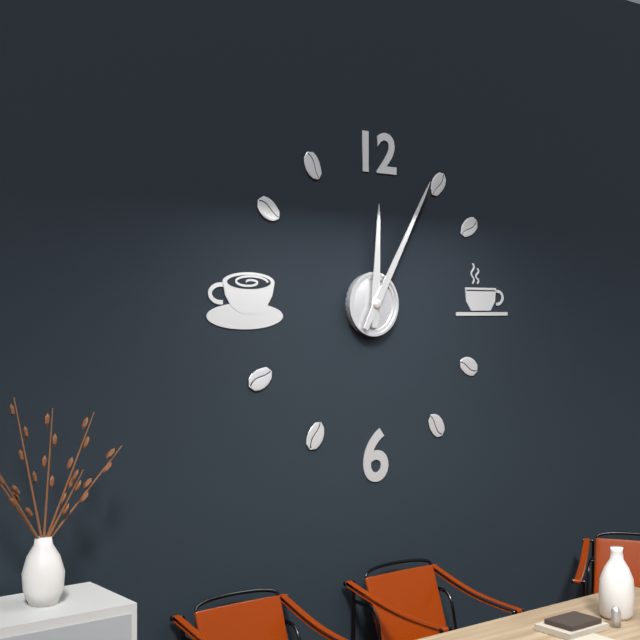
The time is 12,05
